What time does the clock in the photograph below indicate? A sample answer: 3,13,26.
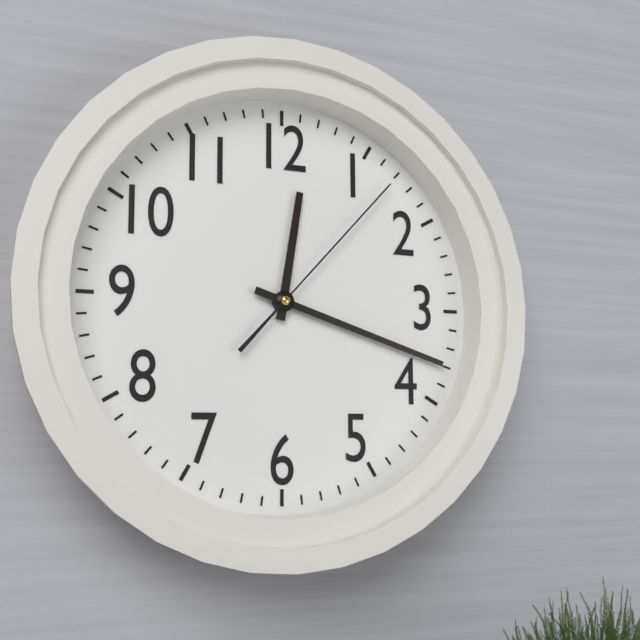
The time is 12,18,07
